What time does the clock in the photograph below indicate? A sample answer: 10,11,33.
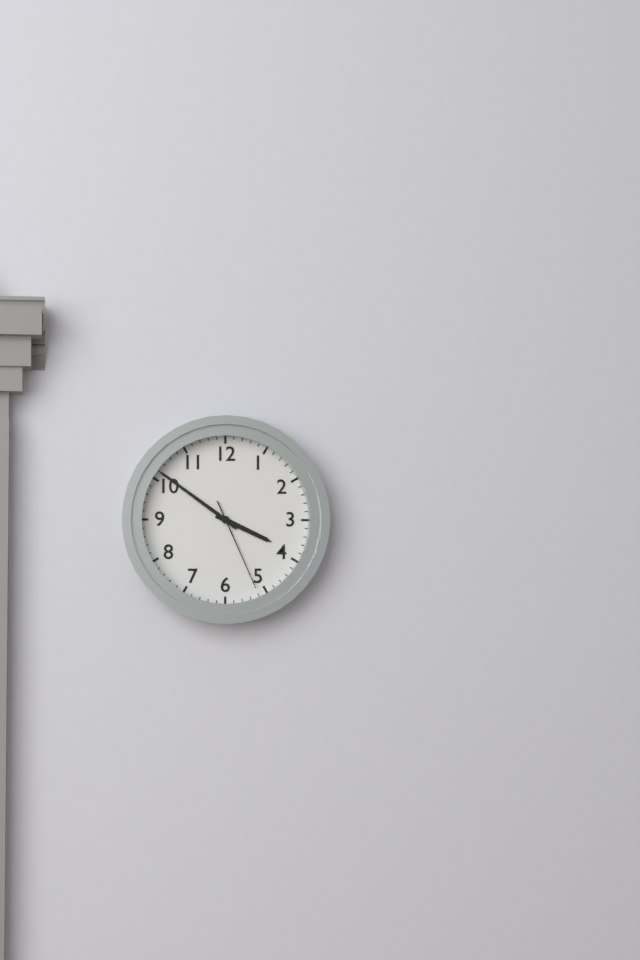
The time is 3,51,26
